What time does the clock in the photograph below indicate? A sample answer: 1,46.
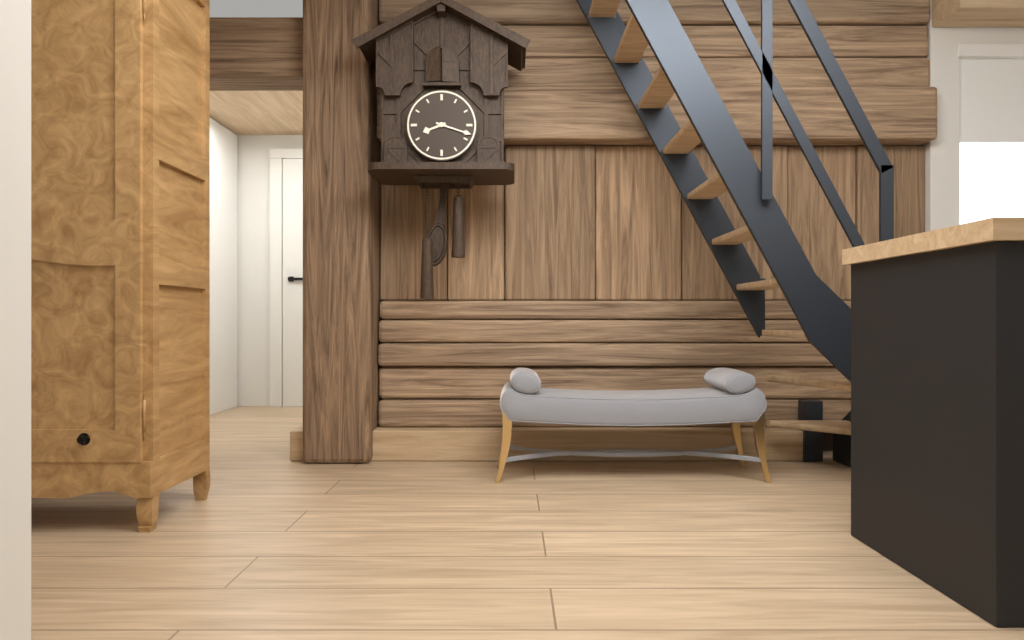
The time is 8,18
